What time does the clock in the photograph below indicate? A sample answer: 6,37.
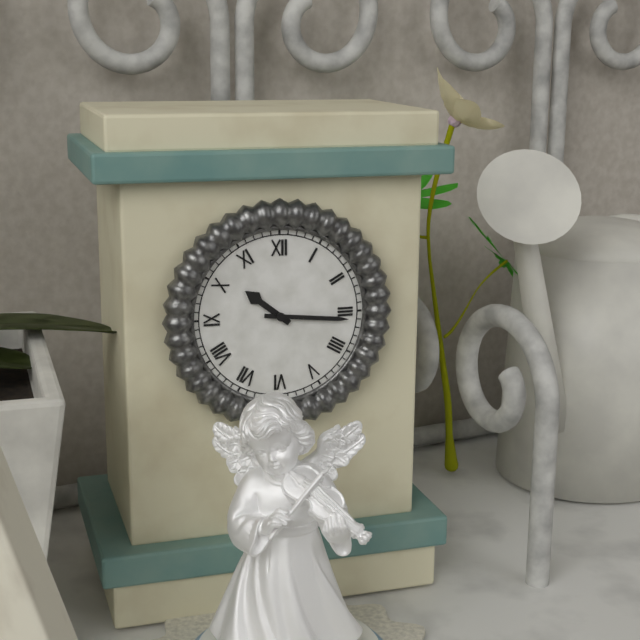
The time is 10,16
